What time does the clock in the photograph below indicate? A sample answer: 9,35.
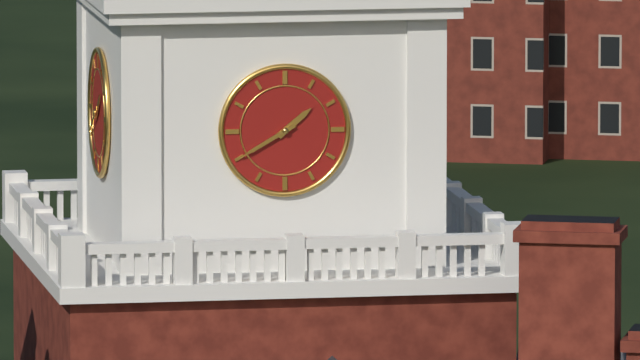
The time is 1,40
